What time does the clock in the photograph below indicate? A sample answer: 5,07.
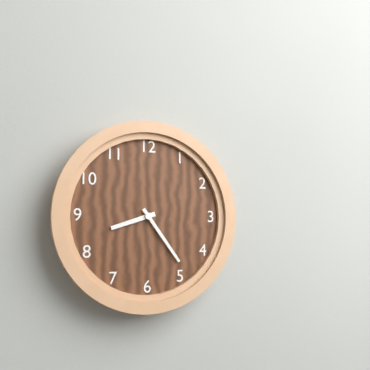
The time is 8,24
